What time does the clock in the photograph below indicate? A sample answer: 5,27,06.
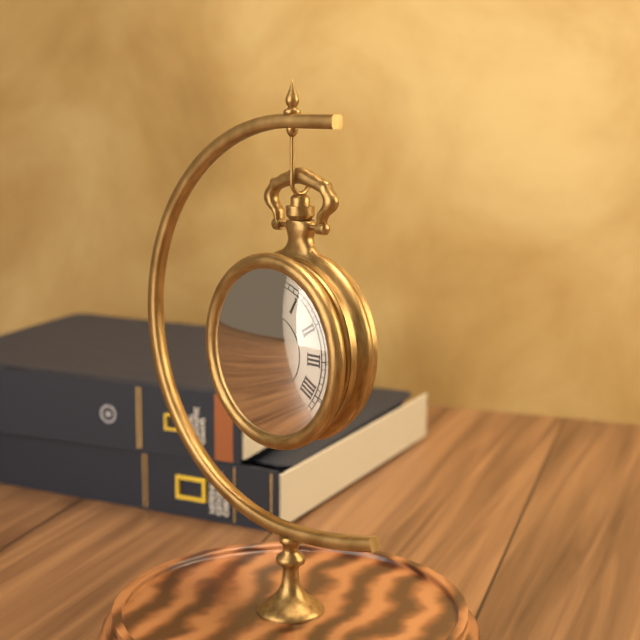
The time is 7,34,25
